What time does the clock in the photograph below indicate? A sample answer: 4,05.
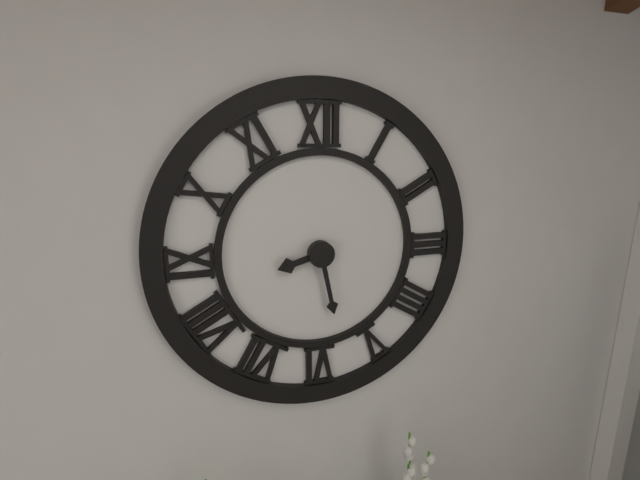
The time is 8,28
